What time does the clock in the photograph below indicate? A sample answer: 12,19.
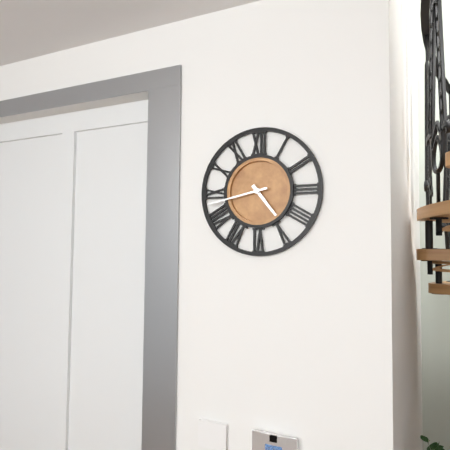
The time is 4,43
